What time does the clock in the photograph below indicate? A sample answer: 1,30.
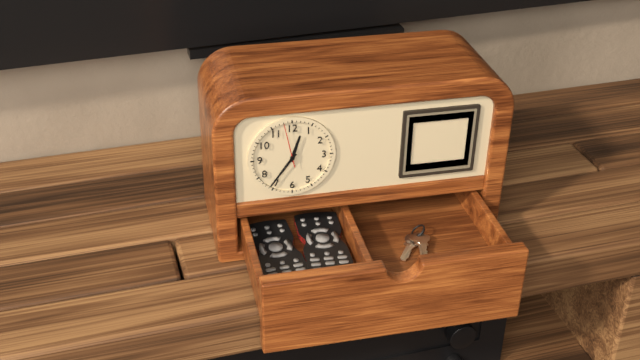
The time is 12,36
